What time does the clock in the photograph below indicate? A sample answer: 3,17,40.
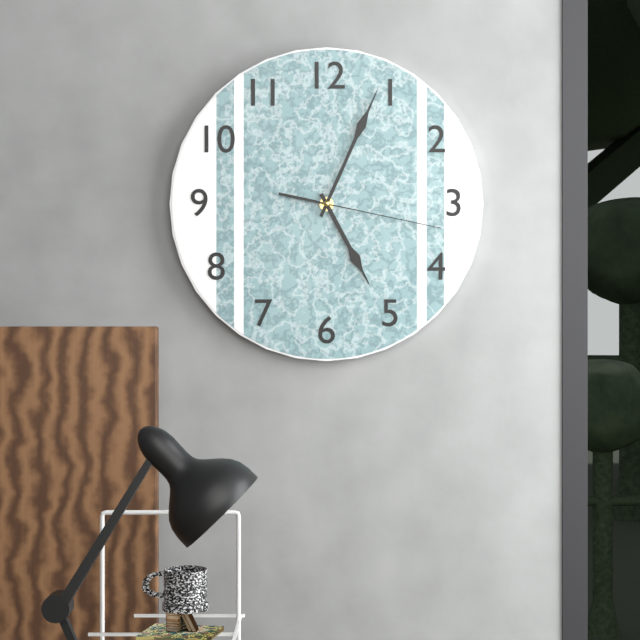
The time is 5,04,17
